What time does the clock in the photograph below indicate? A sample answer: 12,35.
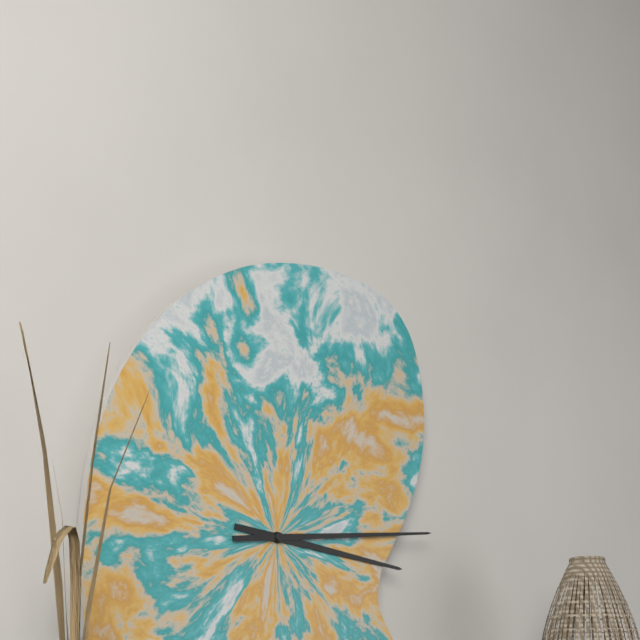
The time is 3,14
